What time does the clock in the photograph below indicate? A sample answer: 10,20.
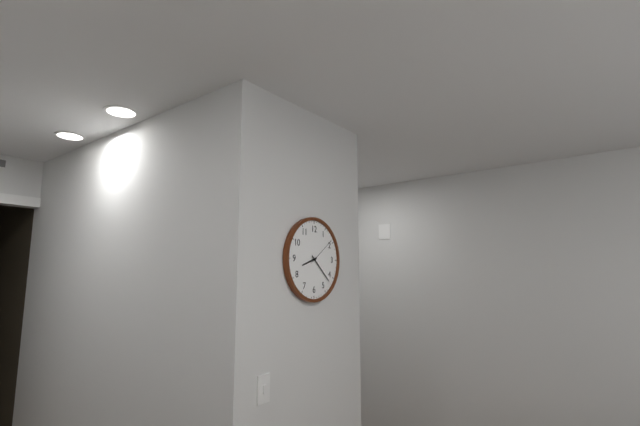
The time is 8,22
